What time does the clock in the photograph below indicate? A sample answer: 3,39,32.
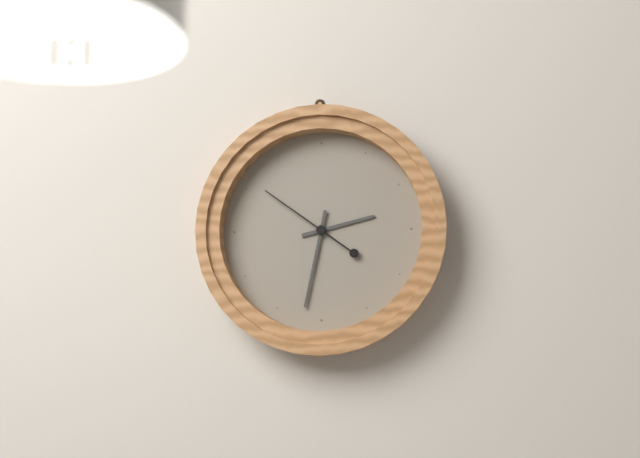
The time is 2,32,51
